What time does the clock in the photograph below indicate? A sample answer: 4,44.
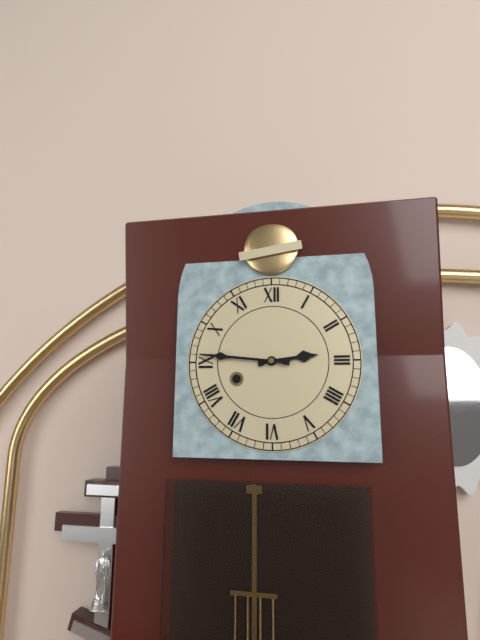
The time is 2,46
